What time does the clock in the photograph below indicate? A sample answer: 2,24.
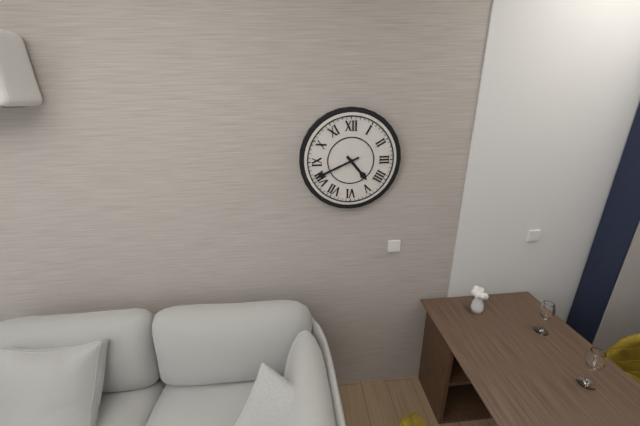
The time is 4,41
